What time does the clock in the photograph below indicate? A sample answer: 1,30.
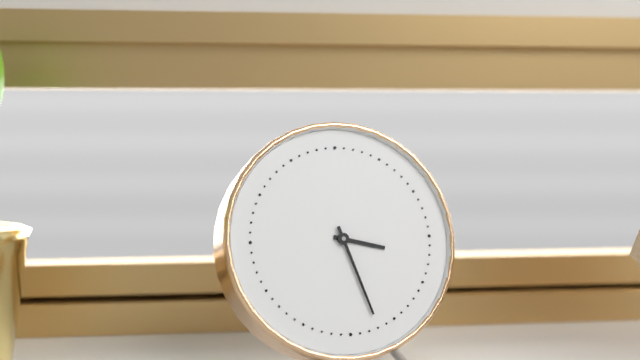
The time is 3,27
